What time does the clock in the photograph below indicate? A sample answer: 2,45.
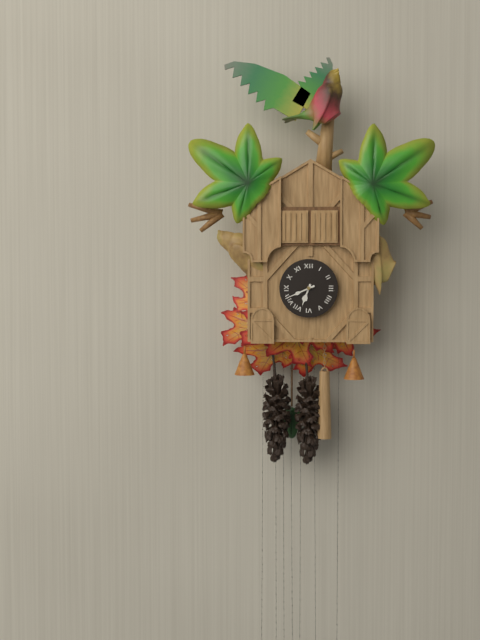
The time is 6,41
